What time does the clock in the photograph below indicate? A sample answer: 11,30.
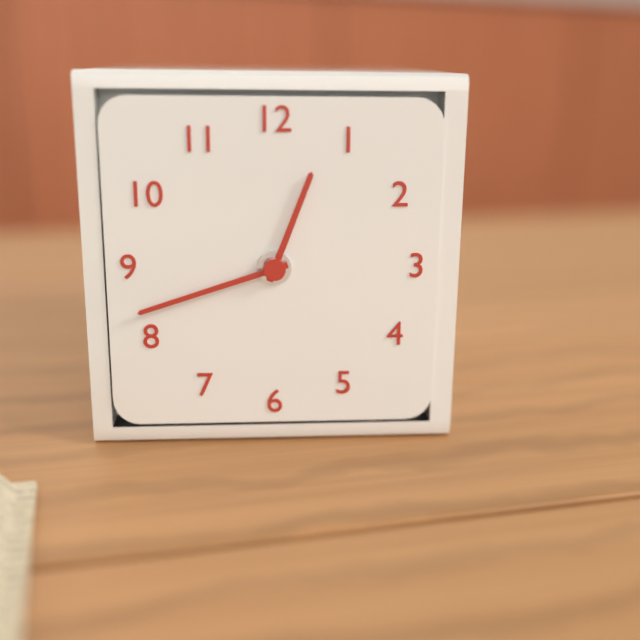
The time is 12,42
